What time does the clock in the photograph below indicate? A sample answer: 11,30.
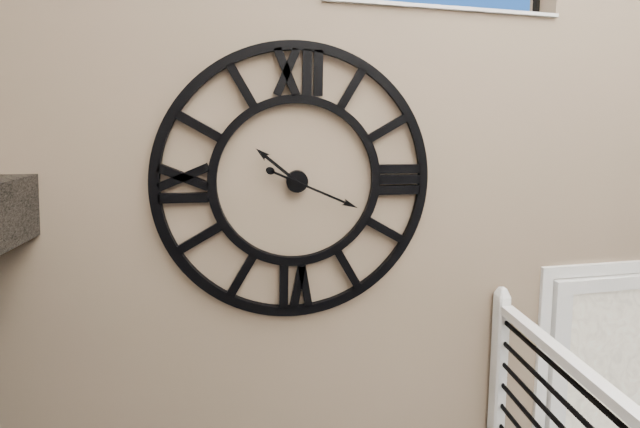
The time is 10,19
